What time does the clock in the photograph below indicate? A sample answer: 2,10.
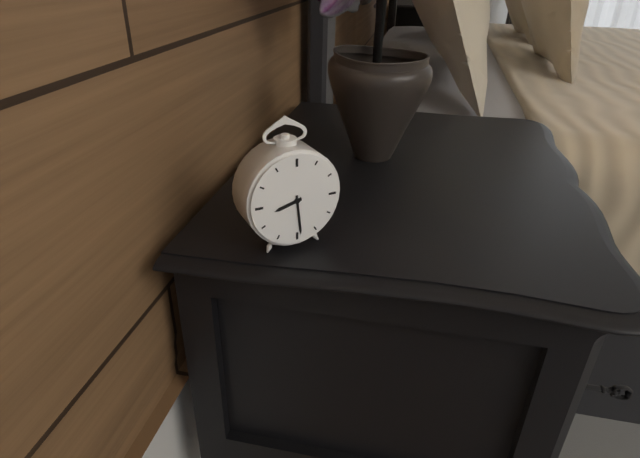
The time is 8,29
